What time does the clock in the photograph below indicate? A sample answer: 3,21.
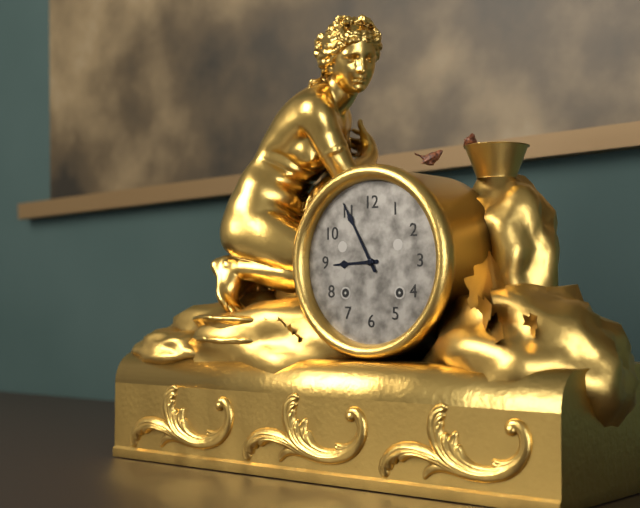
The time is 8,55
